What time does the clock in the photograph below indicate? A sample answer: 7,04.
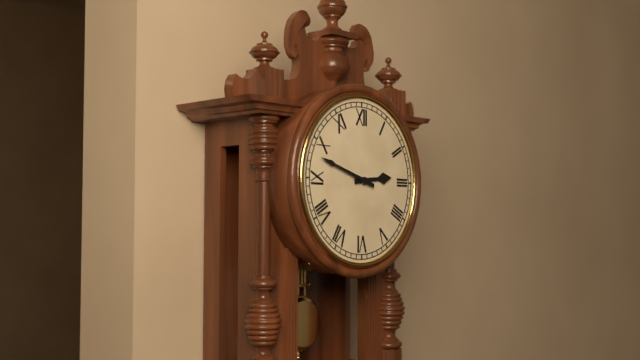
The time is 2,48
